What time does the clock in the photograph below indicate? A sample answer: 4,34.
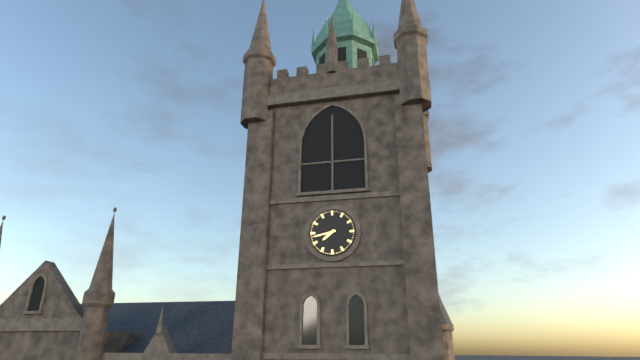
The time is 7,43
